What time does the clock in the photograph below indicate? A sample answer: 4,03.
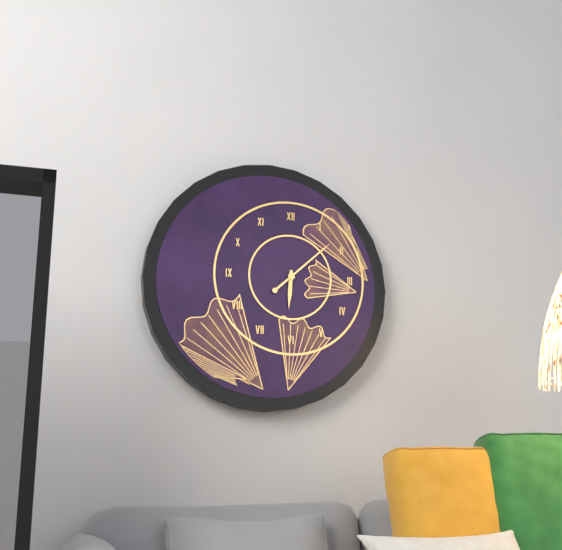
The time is 6,08
